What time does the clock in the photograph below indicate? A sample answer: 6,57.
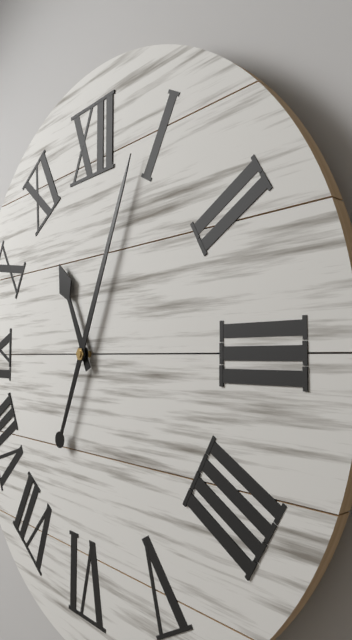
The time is 11,04
